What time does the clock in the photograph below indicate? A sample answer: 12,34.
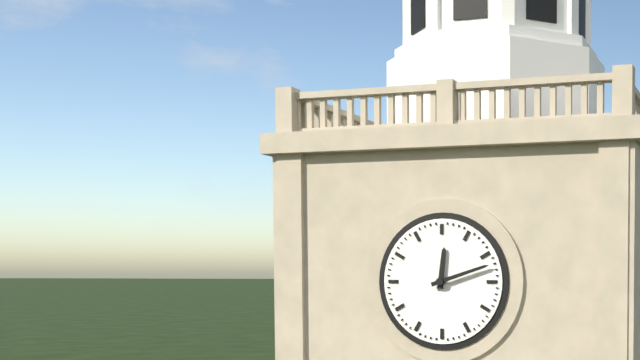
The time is 12,12
